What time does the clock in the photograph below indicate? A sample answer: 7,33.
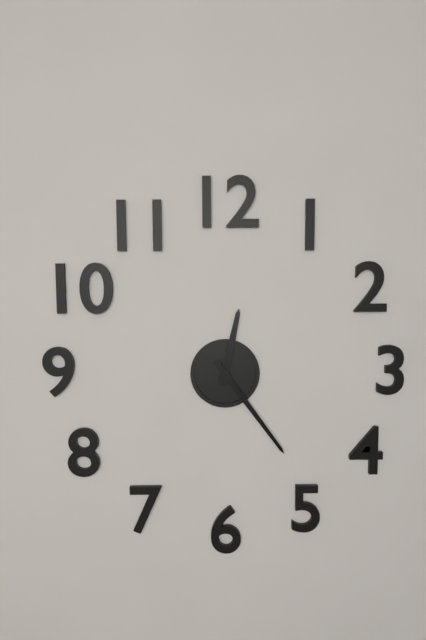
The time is 12,24
